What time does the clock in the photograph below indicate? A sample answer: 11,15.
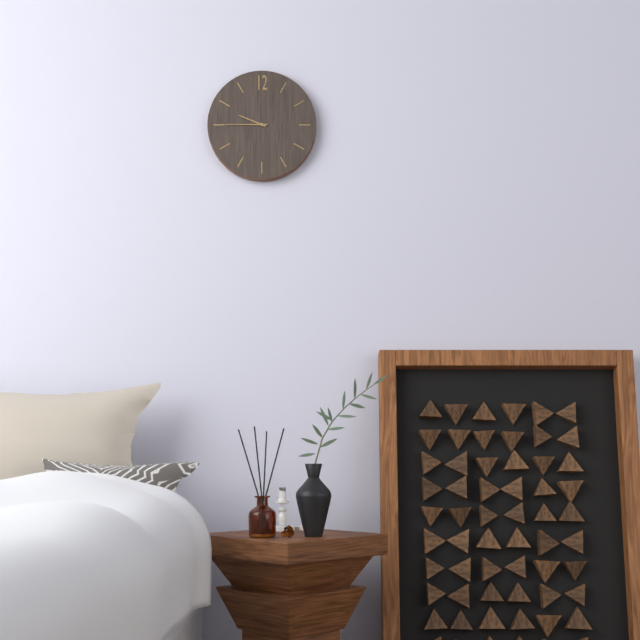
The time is 9,45
